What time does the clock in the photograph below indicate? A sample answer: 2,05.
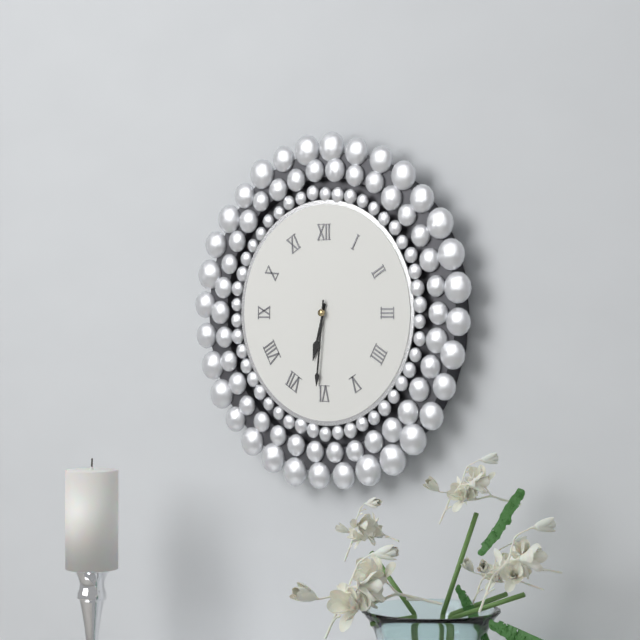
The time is 6,31
